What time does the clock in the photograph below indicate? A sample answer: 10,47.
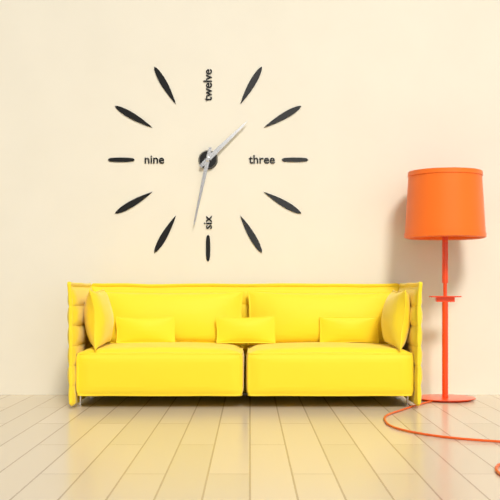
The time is 1,32
